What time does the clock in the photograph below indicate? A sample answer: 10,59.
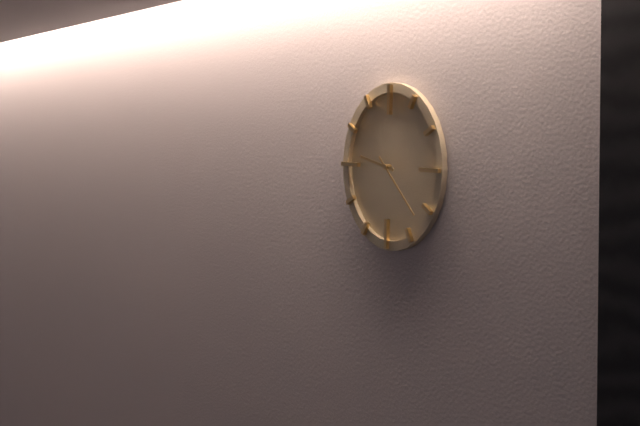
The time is 9,22
